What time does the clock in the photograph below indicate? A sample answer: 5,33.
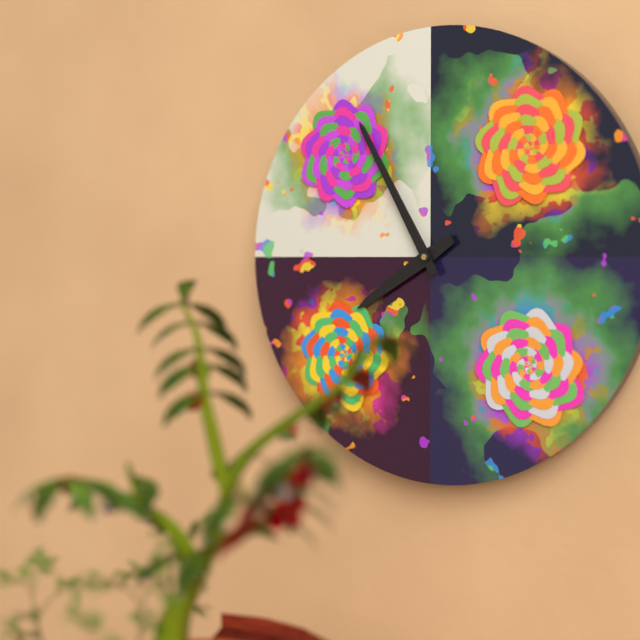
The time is 7,55
